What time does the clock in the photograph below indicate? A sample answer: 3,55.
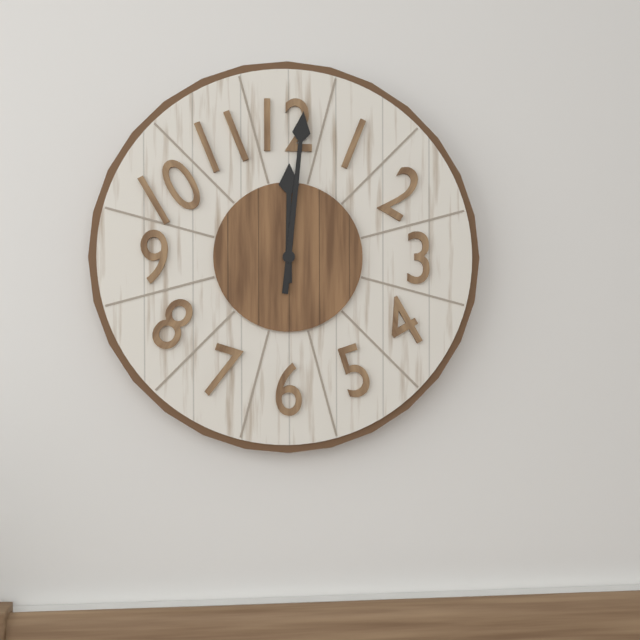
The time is 12,01
